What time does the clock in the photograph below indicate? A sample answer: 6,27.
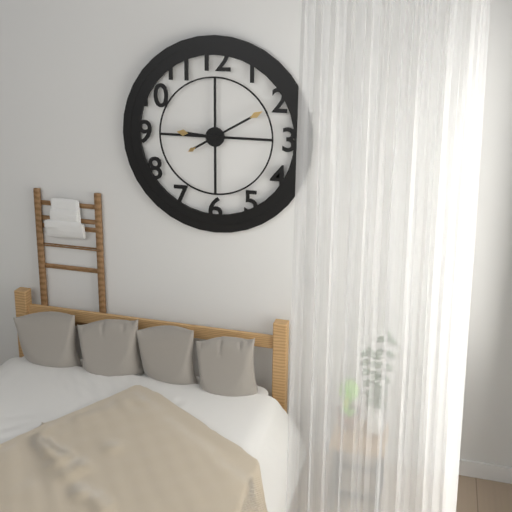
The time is 9,10
